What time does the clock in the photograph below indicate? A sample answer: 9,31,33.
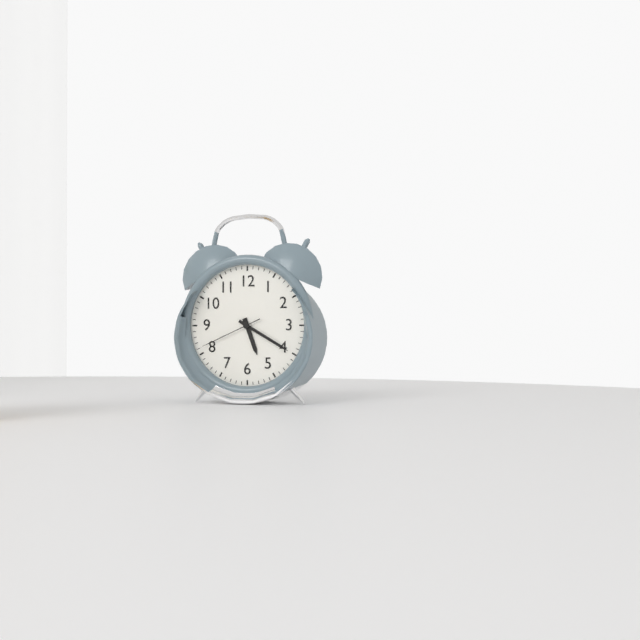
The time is 5,20,41
